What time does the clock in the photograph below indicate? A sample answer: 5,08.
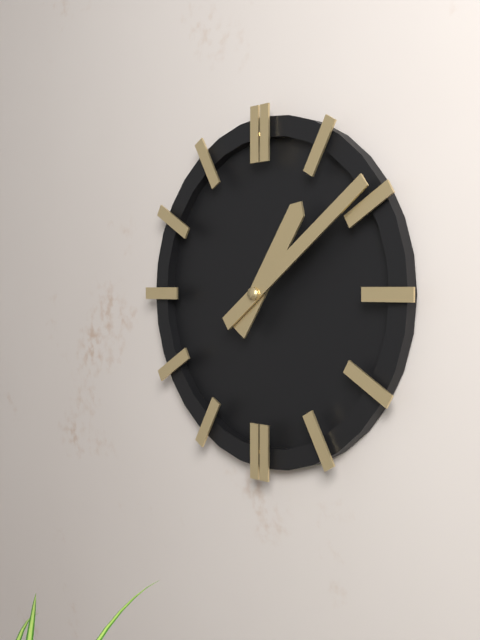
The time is 1,09
